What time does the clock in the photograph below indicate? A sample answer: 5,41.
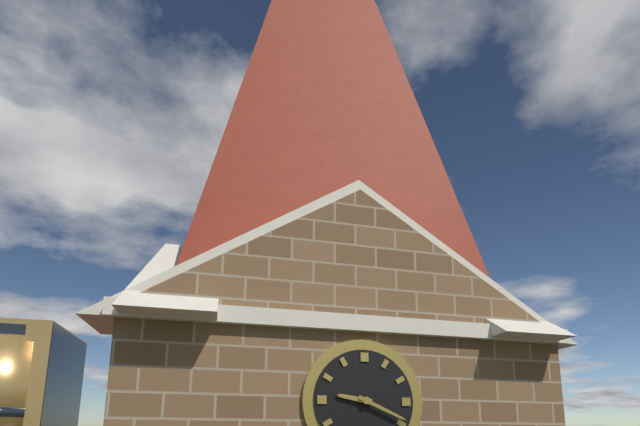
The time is 9,19
